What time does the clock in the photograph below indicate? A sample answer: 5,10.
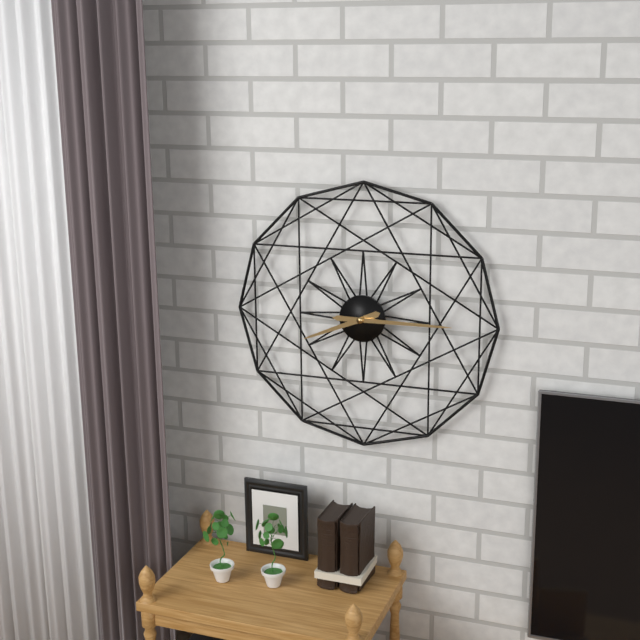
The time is 8,15
